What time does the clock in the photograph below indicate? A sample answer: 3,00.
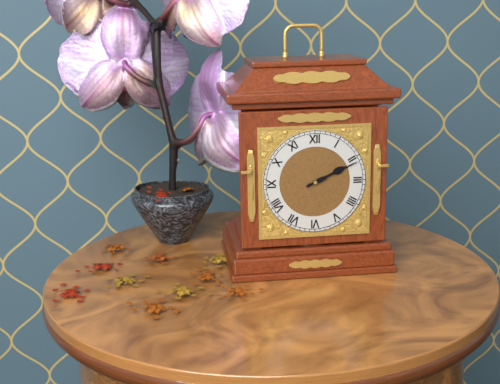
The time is 2,11
